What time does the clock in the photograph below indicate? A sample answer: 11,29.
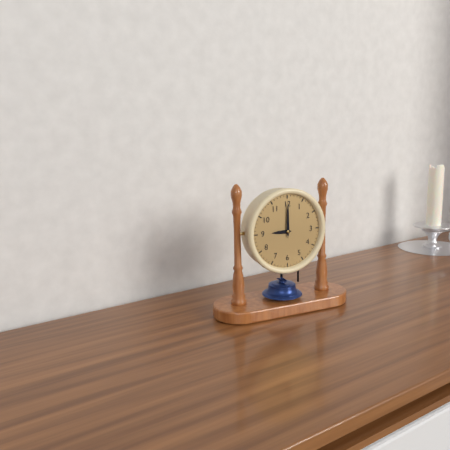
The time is 9,00
